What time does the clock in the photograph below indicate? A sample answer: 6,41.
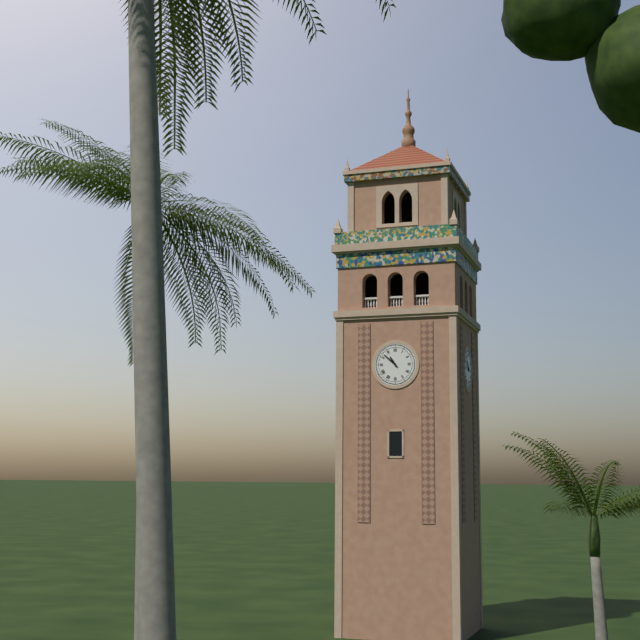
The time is 10,52
